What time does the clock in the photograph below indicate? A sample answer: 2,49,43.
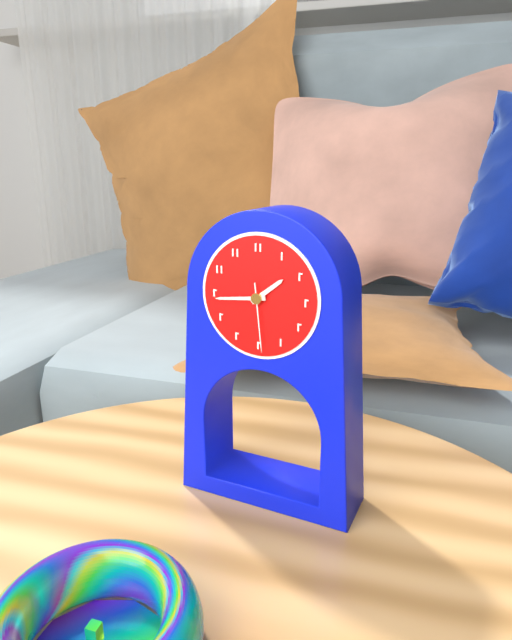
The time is 1,44,29
